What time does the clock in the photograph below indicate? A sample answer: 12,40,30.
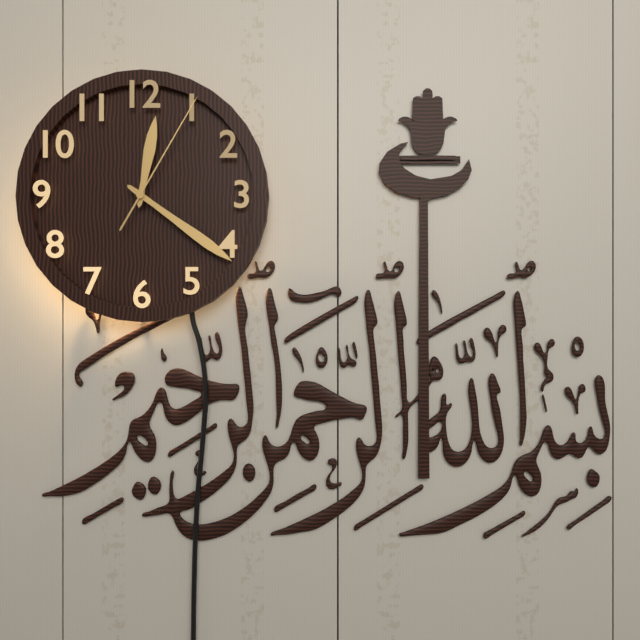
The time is 12,21,05
